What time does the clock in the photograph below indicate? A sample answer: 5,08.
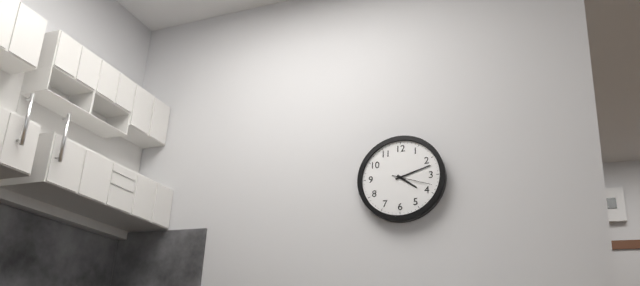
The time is 4,12
